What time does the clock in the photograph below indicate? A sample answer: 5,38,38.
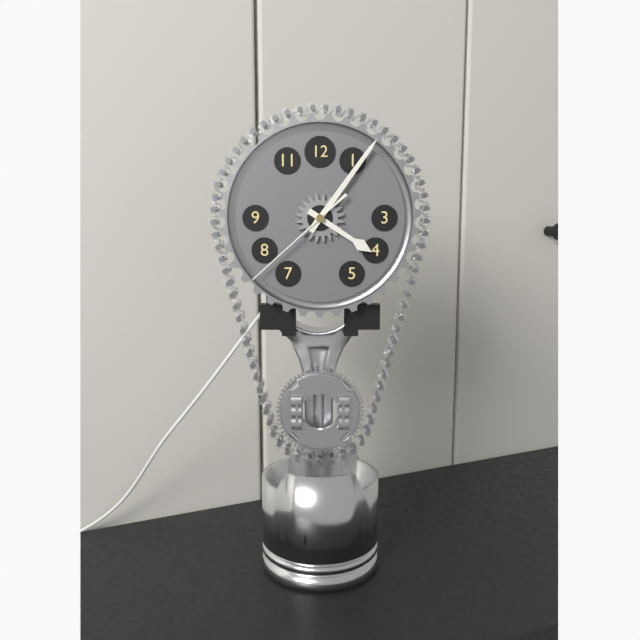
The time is 4,06,38
